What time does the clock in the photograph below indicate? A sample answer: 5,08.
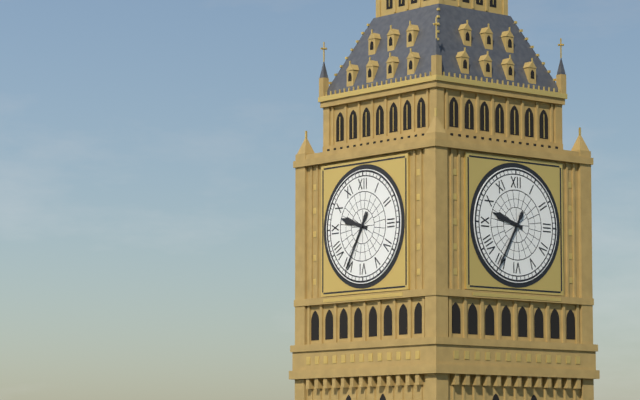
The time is 9,35
